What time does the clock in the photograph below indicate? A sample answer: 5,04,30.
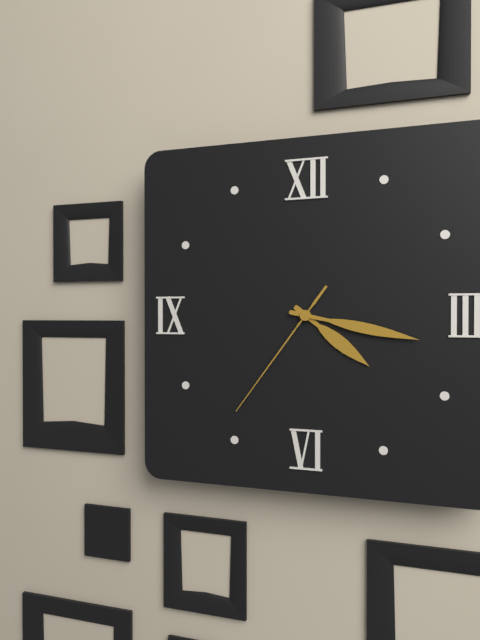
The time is 4,17,36
